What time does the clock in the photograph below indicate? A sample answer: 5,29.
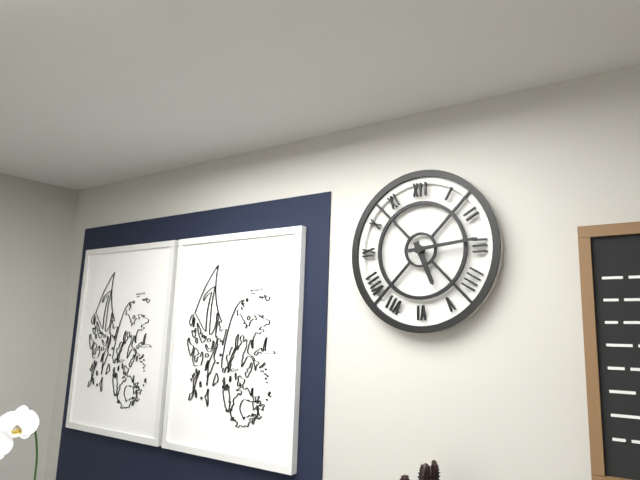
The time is 5,14
